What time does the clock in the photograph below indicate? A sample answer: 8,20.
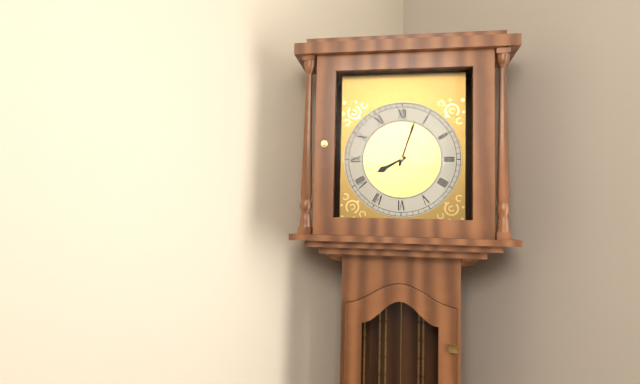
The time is 8,03
